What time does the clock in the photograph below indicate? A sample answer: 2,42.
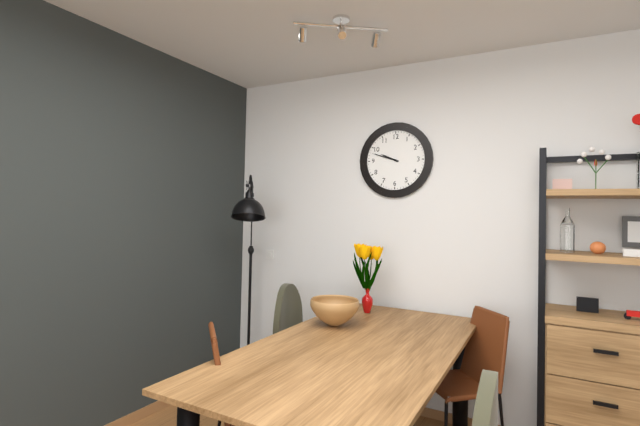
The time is 9,48
